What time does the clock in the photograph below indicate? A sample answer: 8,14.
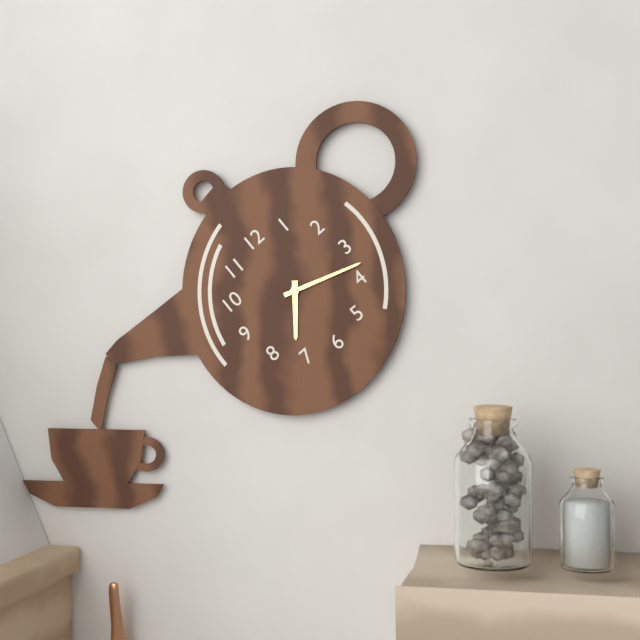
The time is 7,18
